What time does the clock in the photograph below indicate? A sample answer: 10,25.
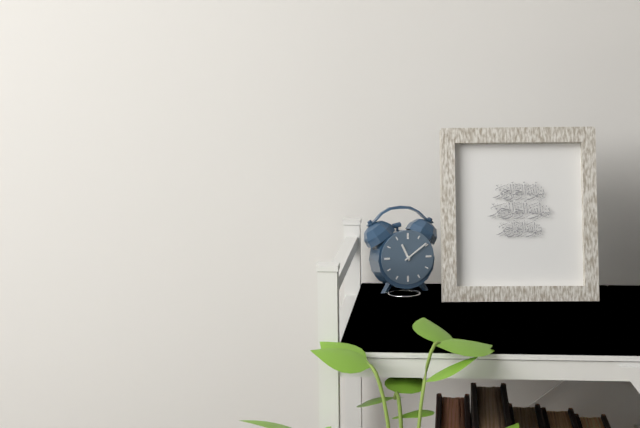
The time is 11,09
